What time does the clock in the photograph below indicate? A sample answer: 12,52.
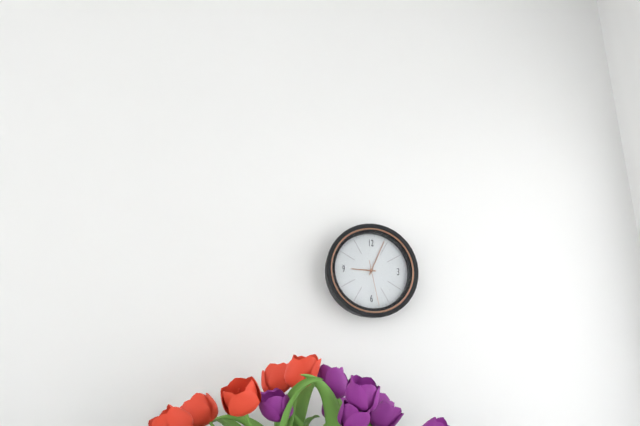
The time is 9,04
